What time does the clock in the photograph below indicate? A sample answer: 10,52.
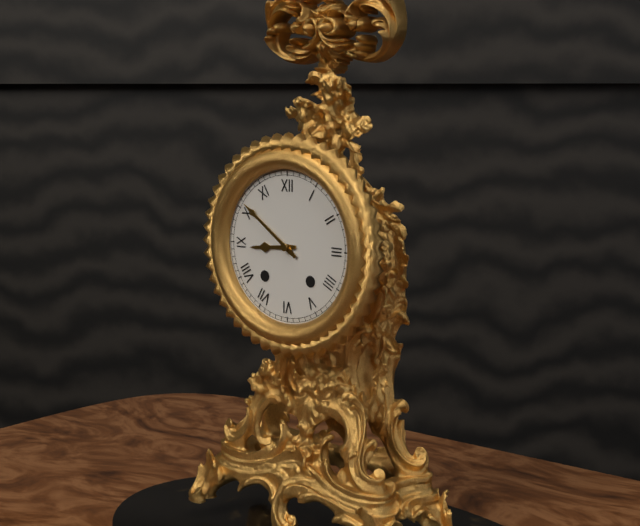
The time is 8,51
